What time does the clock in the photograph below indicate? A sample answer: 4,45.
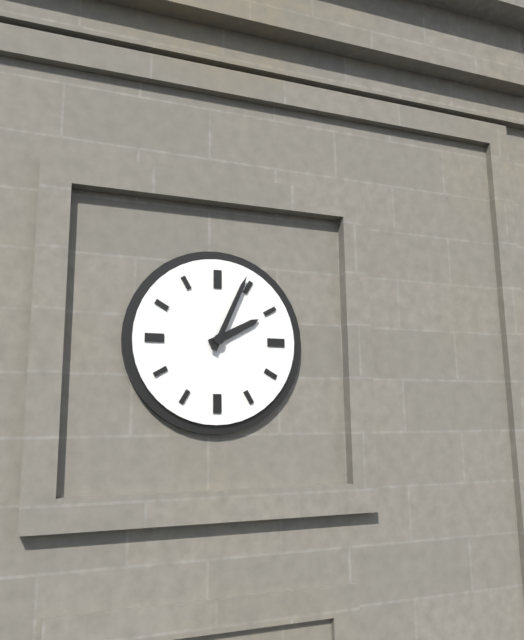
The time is 2,04
